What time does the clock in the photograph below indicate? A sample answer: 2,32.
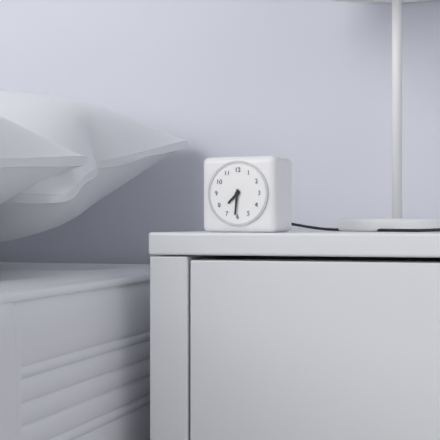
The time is 7,31
